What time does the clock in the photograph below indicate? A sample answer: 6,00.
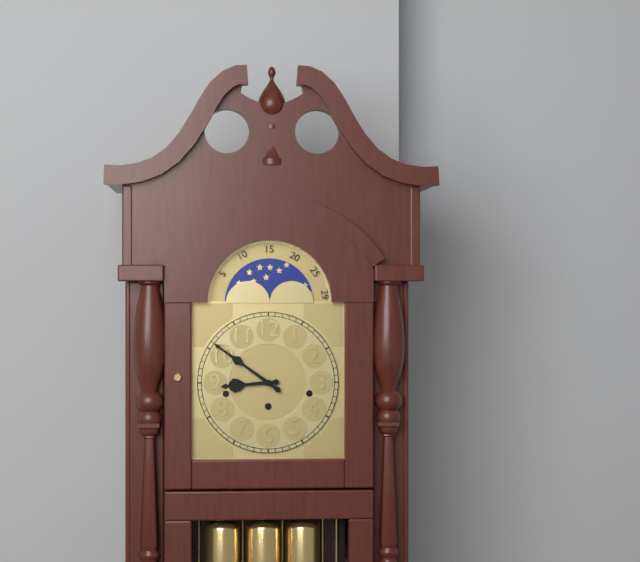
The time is 8,51
